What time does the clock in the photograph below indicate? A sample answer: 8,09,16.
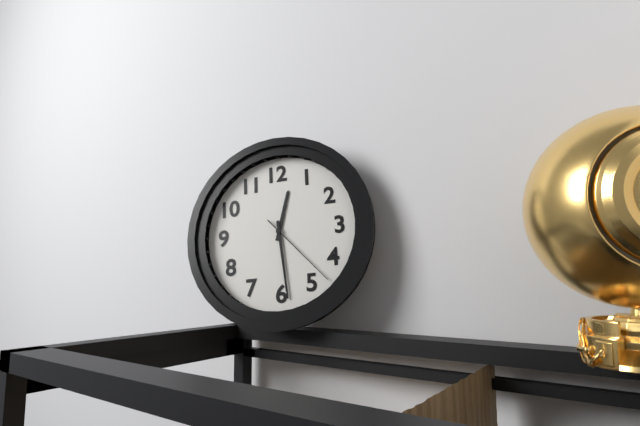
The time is 12,29,23
